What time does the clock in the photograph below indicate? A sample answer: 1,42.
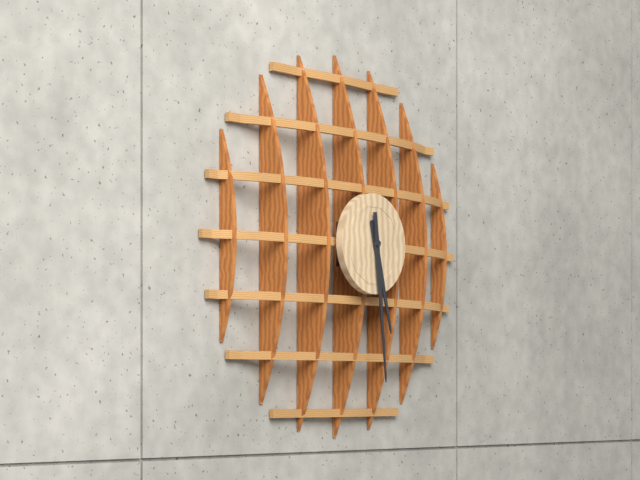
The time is 5,29
